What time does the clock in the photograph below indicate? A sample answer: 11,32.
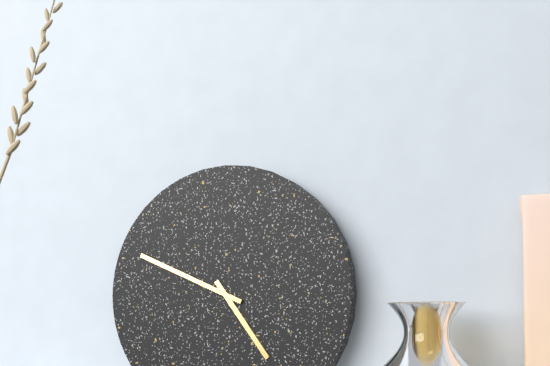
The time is 4,49
